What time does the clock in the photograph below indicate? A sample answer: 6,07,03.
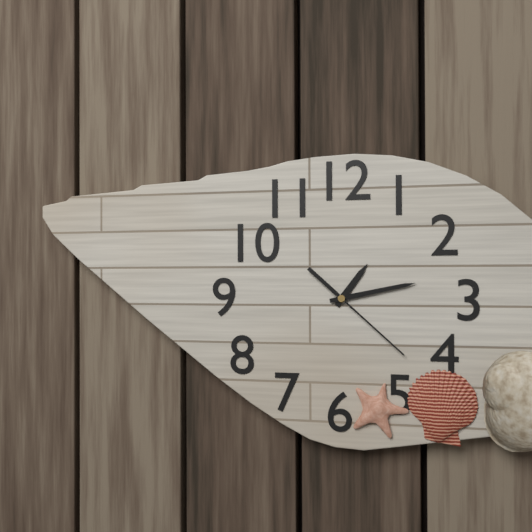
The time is 1,13,22
